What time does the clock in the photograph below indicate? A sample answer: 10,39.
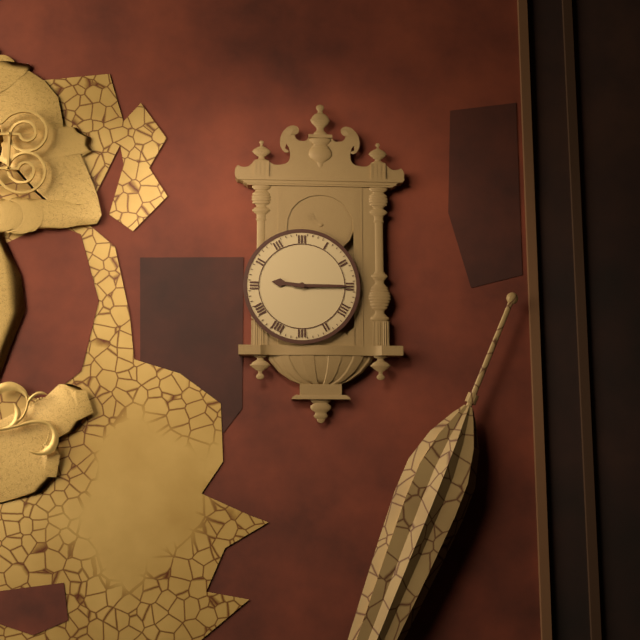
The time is 9,15
